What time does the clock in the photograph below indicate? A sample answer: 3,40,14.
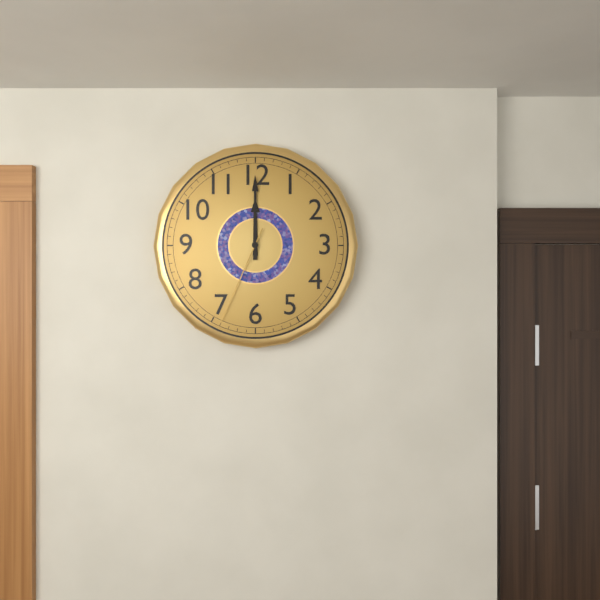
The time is 12,00,34
